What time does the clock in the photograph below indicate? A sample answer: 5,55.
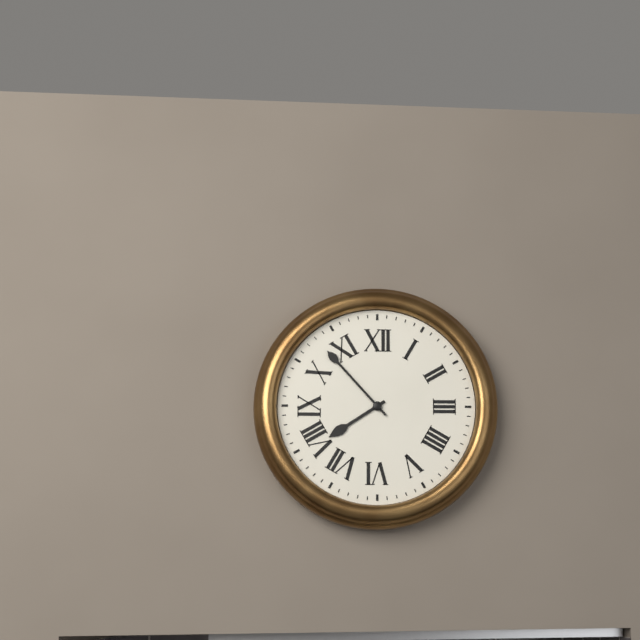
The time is 7,53
